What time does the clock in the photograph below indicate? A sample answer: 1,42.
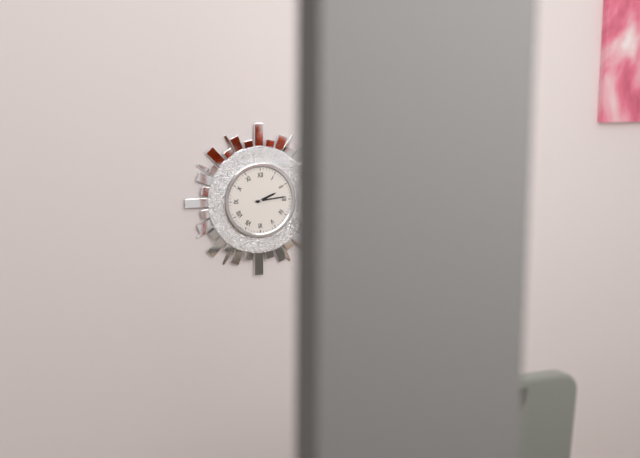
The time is 2,14
